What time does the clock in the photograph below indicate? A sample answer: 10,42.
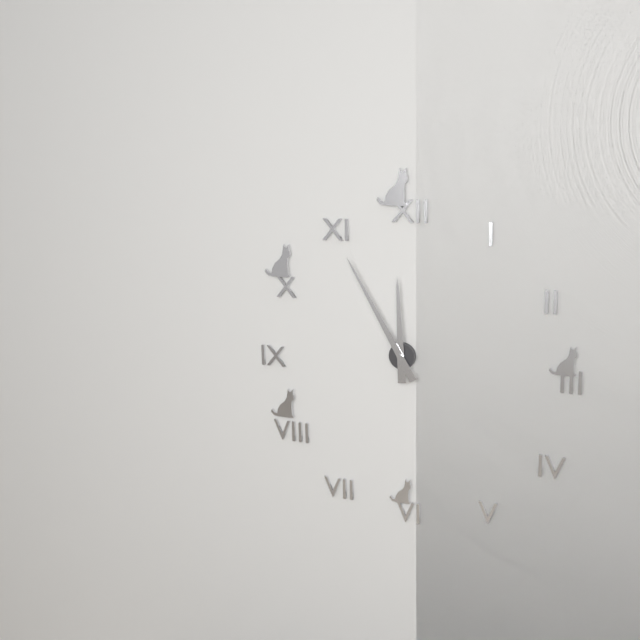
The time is 11,55
